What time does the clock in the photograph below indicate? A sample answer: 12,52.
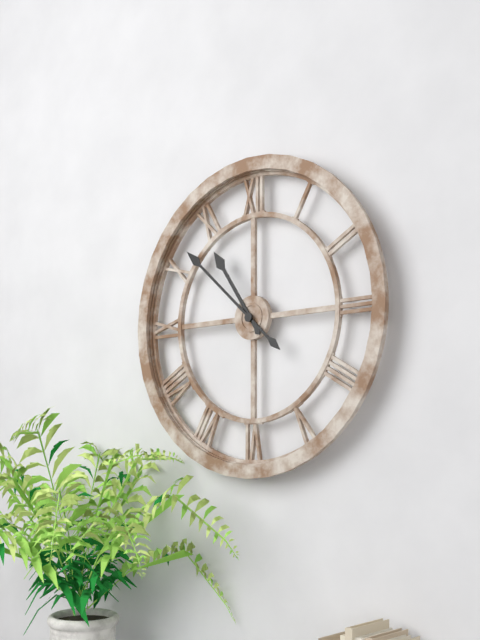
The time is 10,52
